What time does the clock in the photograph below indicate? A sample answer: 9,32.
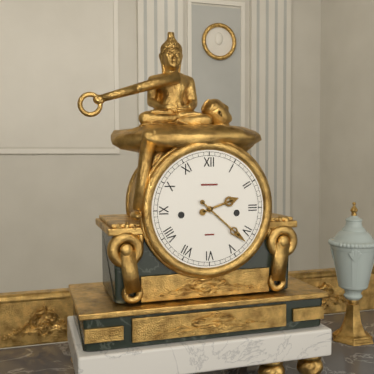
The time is 2,22
